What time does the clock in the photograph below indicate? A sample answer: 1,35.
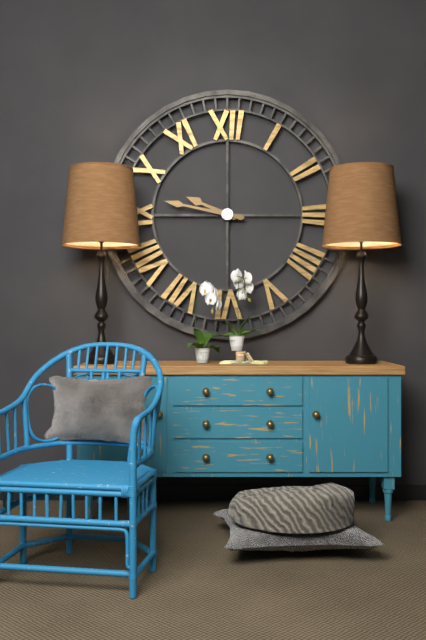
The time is 9,47
